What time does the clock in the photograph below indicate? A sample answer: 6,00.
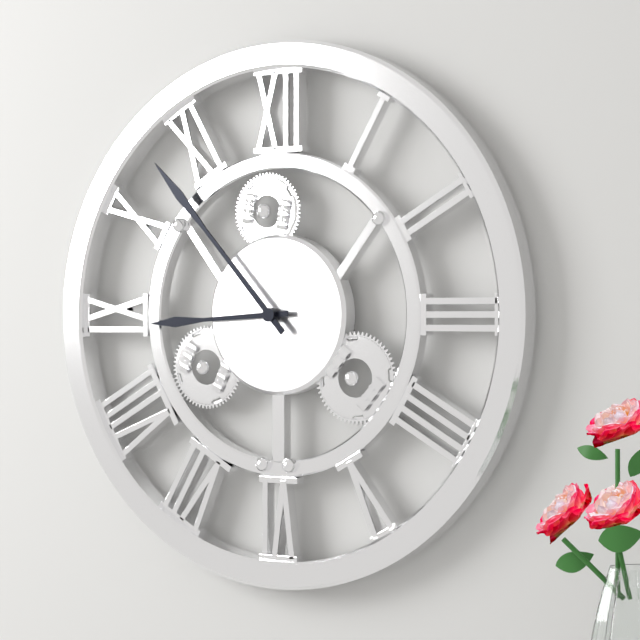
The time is 8,53
